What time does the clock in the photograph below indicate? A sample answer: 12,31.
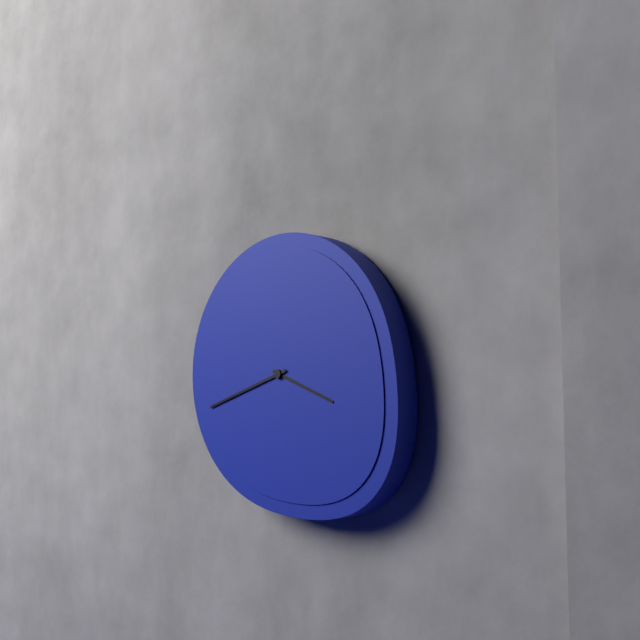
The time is 3,42
